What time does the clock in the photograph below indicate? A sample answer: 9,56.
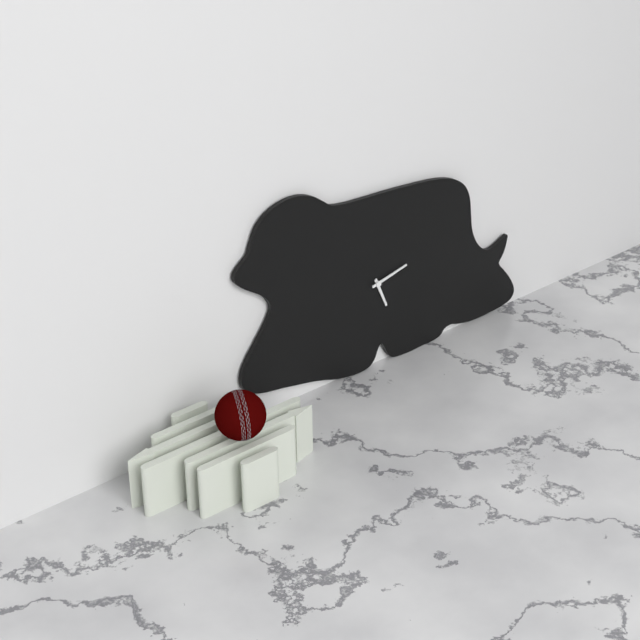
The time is 5,13
